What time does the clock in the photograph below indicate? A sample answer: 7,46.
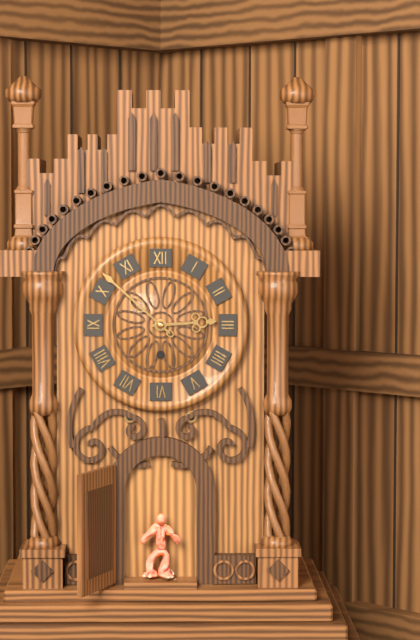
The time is 2,52
